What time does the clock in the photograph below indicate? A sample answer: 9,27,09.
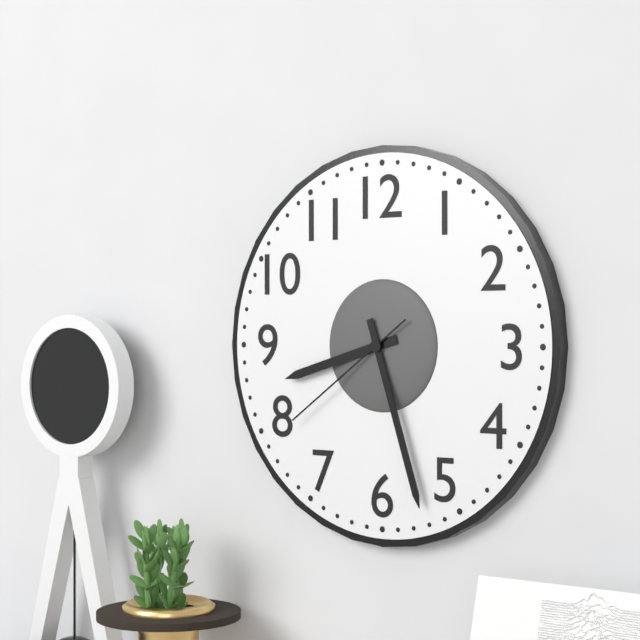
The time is 8,27,39
